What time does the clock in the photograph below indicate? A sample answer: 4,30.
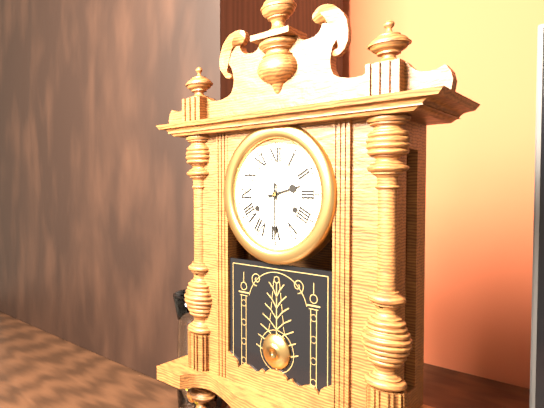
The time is 2,30
